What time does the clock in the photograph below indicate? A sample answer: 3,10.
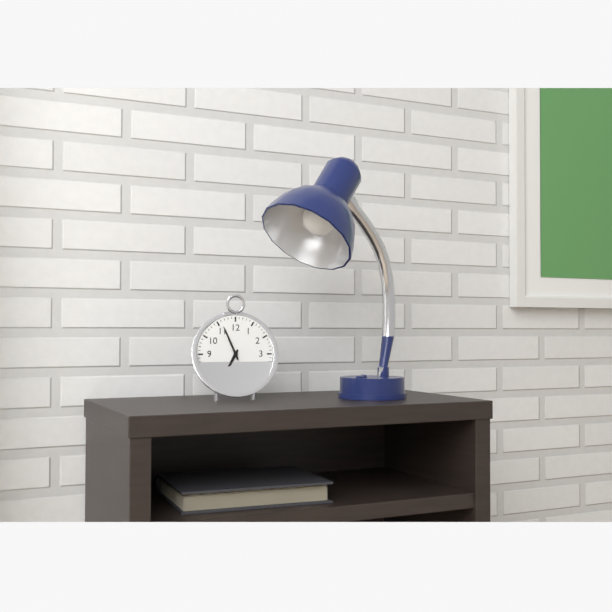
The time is 6,56
